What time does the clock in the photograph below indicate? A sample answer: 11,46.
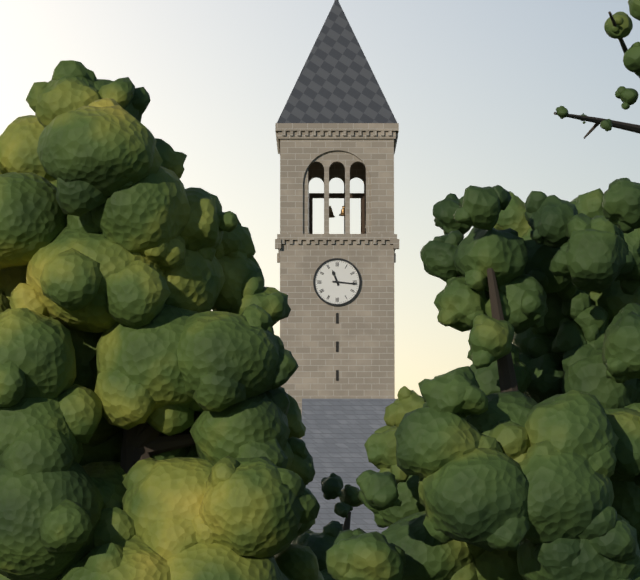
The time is 11,16
